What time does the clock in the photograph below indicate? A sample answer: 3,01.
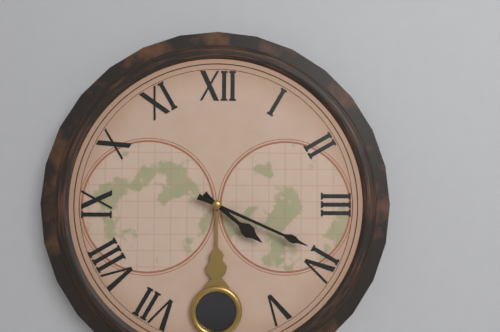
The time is 4,19
